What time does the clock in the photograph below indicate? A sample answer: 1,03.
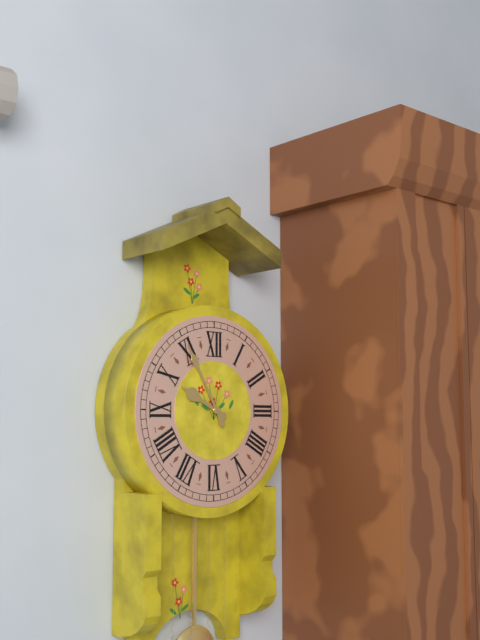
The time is 9,55
